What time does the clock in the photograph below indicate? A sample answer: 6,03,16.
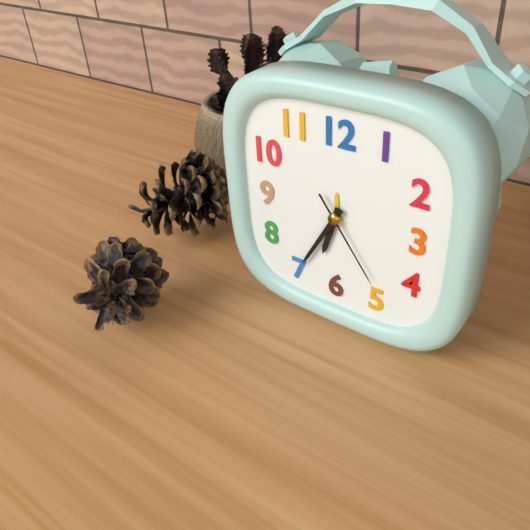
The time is 6,35,24
